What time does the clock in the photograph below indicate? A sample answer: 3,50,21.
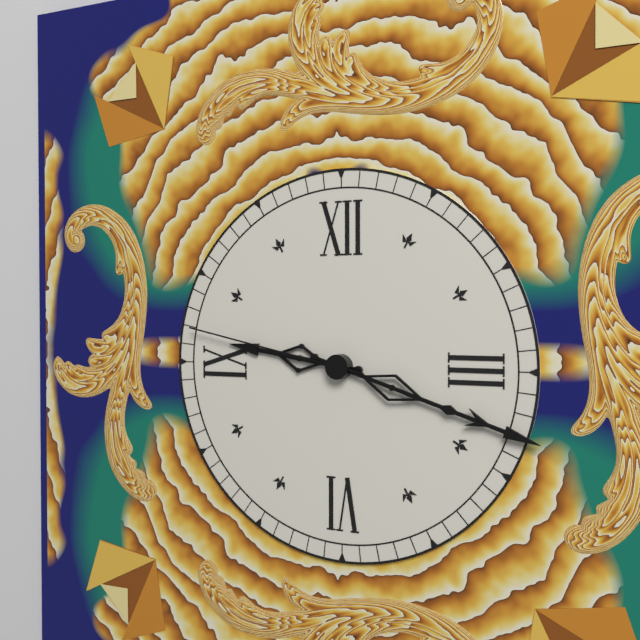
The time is 9,18,47
